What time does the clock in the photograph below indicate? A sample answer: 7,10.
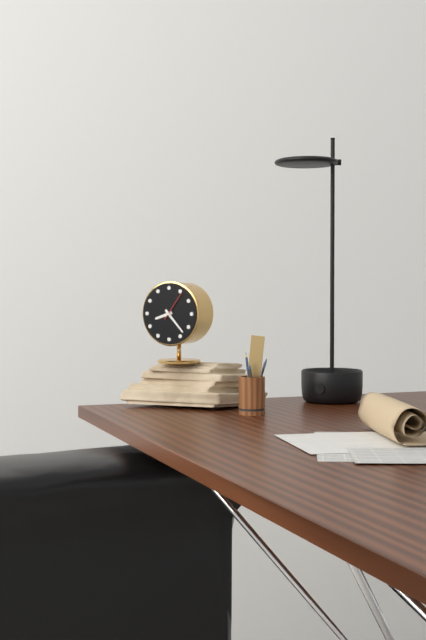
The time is 8,23
